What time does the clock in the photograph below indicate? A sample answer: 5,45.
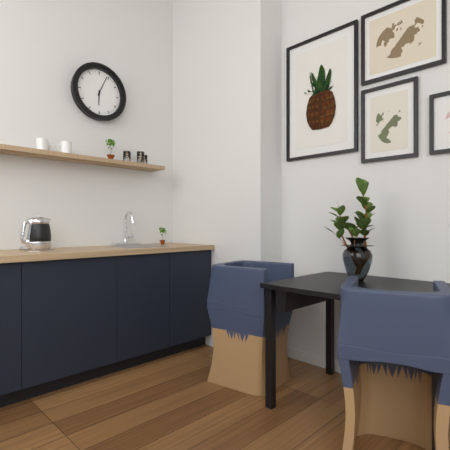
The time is 6,04
